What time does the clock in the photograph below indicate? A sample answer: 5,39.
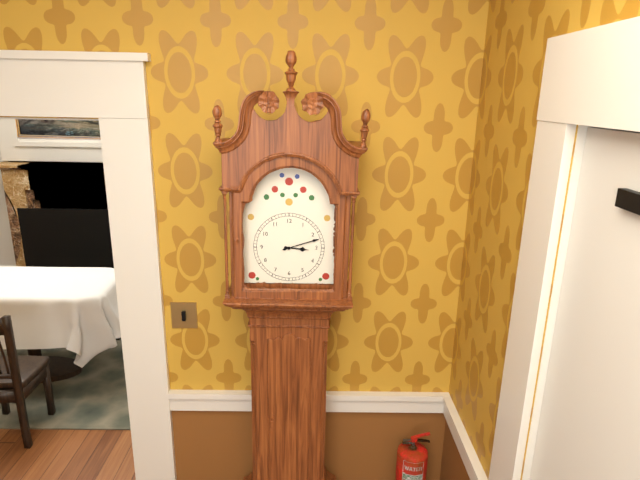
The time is 3,12
